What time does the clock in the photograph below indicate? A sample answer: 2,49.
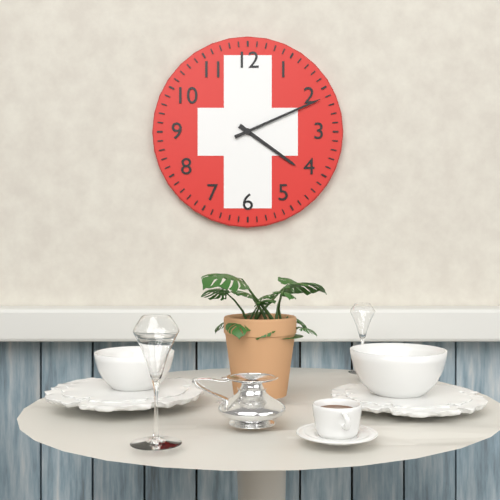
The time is 4,11
